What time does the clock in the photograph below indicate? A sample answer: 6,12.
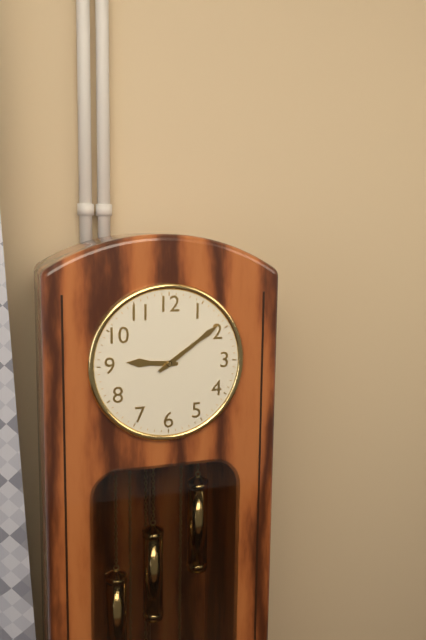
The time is 9,09
